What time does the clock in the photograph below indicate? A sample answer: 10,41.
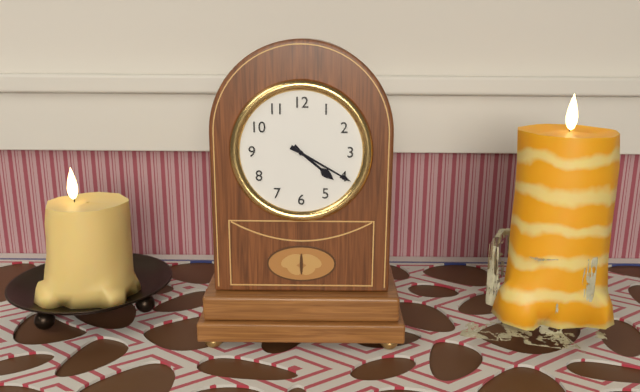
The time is 4,20
